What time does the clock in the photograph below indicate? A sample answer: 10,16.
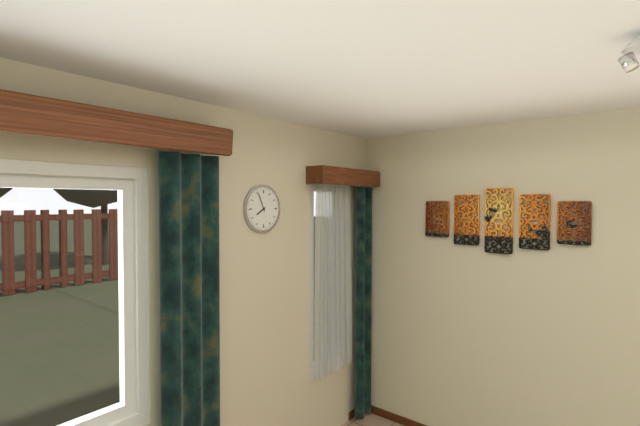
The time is 7,56
